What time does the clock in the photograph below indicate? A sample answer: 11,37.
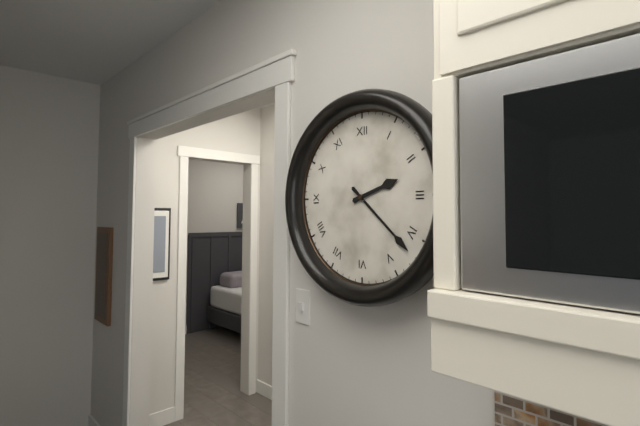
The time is 2,22
